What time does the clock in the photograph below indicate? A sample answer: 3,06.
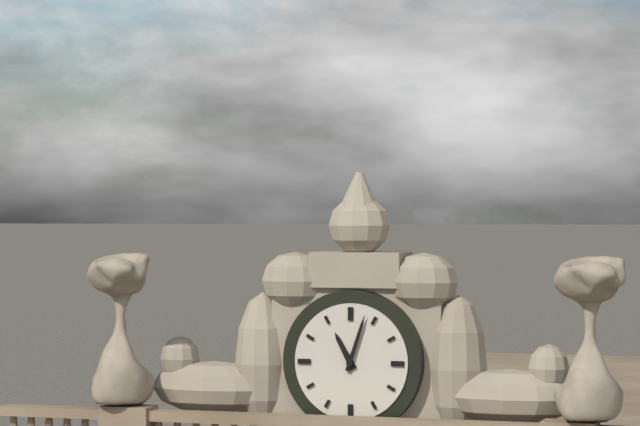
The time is 11,03
